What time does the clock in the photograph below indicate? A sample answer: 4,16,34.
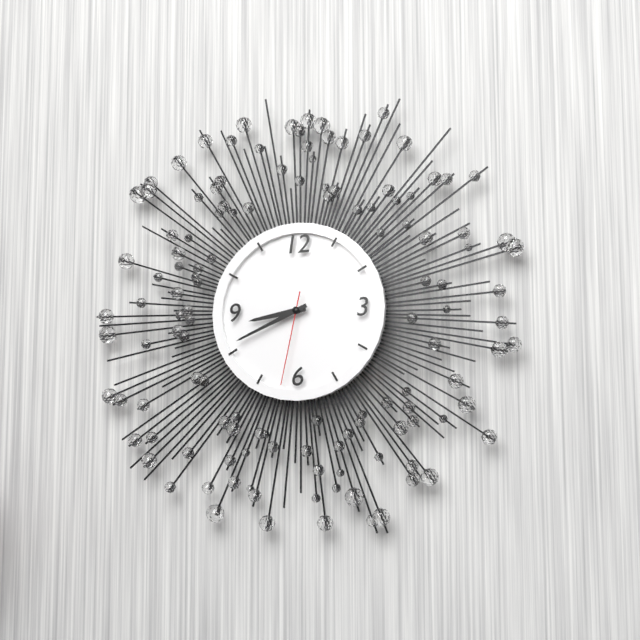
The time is 8,41,32
